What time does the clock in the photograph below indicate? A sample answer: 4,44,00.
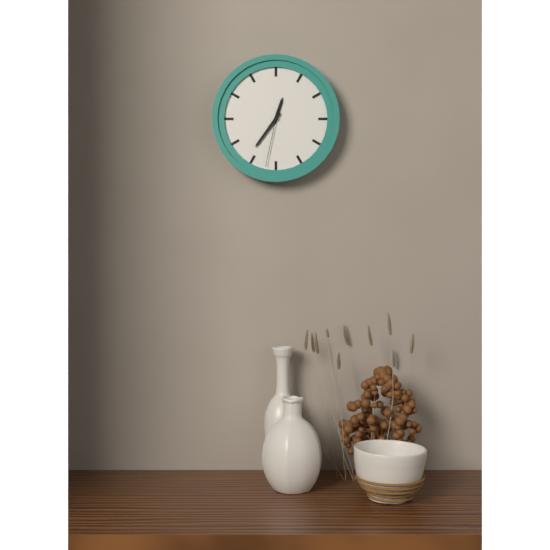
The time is 12,36,32
